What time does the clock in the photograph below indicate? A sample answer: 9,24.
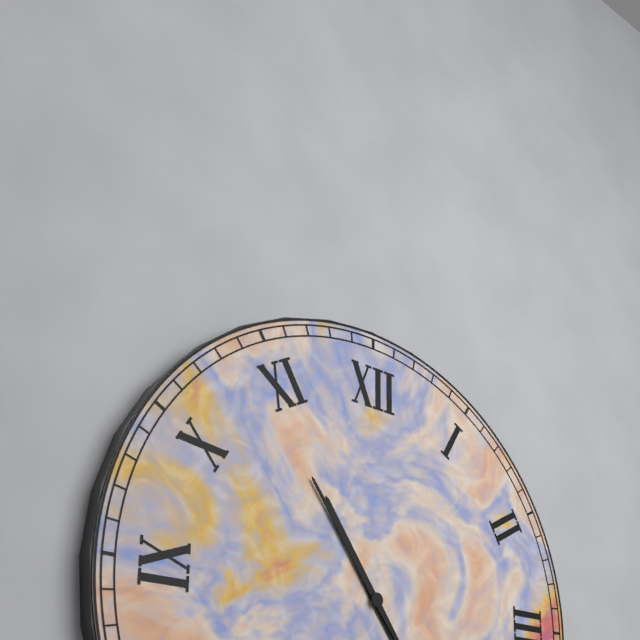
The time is 10,54
